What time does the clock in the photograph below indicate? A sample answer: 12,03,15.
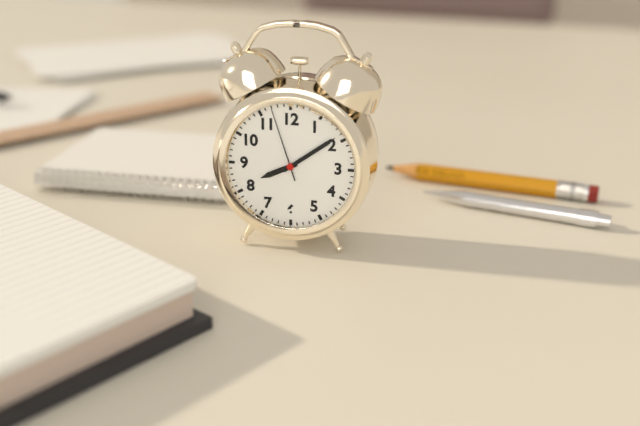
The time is 8,09,57
